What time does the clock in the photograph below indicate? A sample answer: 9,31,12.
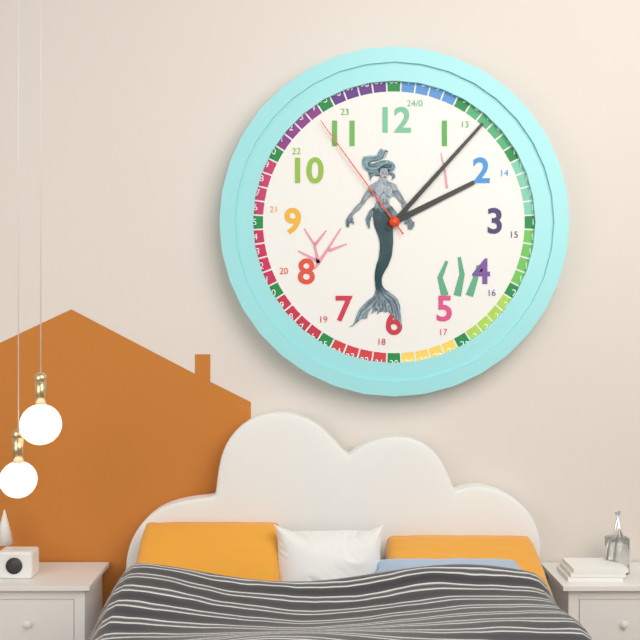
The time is 2,07,54
